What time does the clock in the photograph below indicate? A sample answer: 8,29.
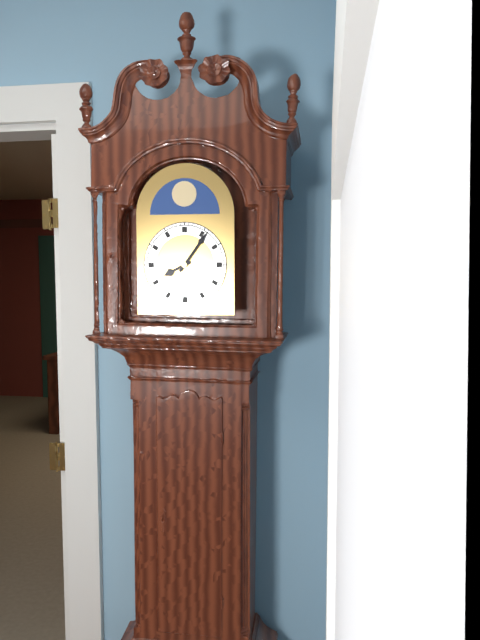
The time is 8,06
